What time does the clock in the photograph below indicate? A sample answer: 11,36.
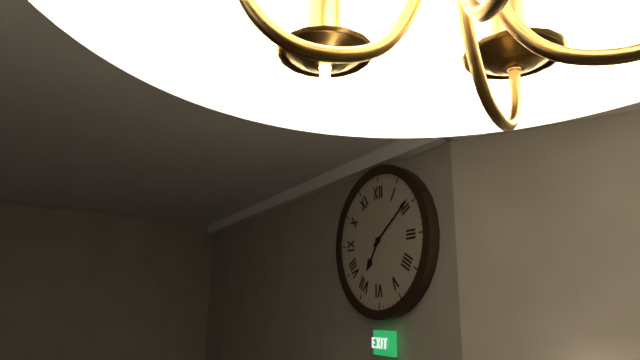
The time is 7,09
